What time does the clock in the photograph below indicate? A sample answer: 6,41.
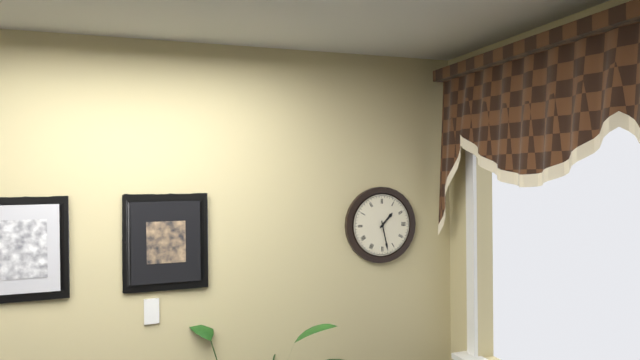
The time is 1,28
